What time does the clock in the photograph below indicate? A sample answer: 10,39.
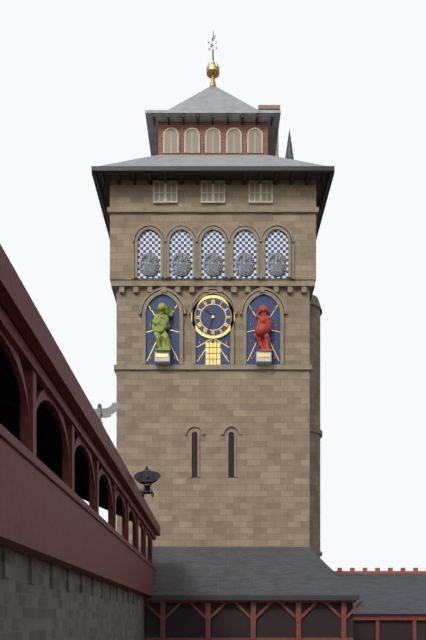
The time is 10,33
